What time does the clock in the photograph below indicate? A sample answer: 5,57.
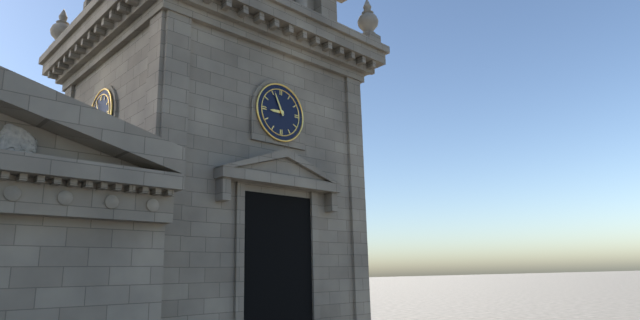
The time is 8,56
